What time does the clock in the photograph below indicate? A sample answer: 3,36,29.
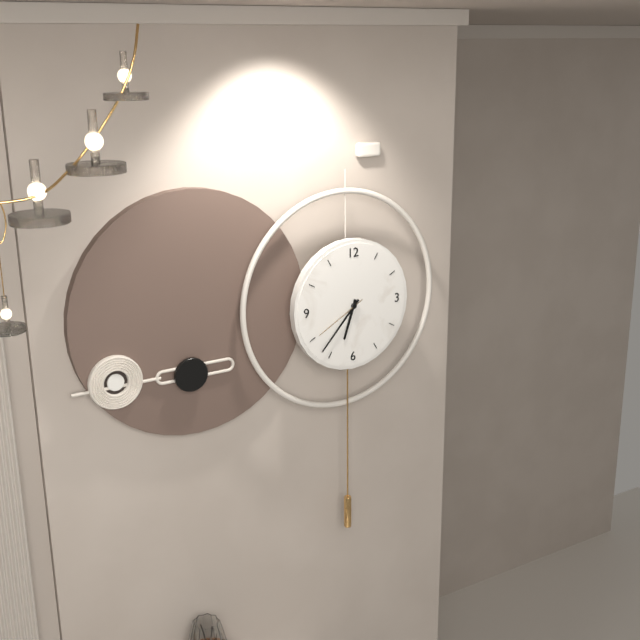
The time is 6,37,40
